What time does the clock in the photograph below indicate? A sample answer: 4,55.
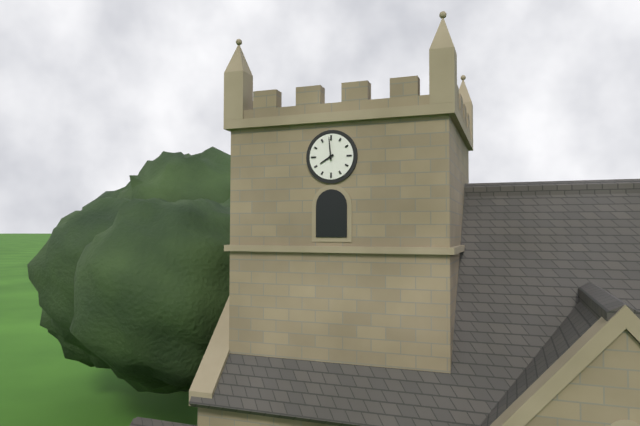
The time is 7,59
